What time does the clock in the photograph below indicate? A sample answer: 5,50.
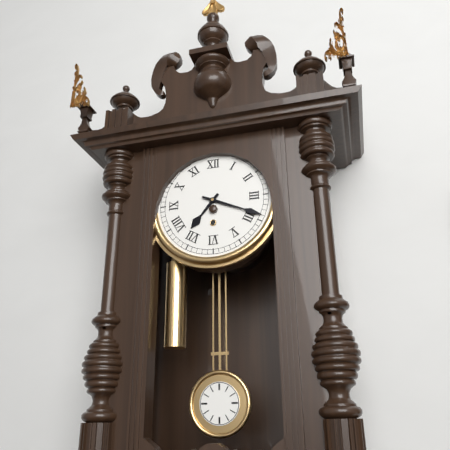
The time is 7,19
